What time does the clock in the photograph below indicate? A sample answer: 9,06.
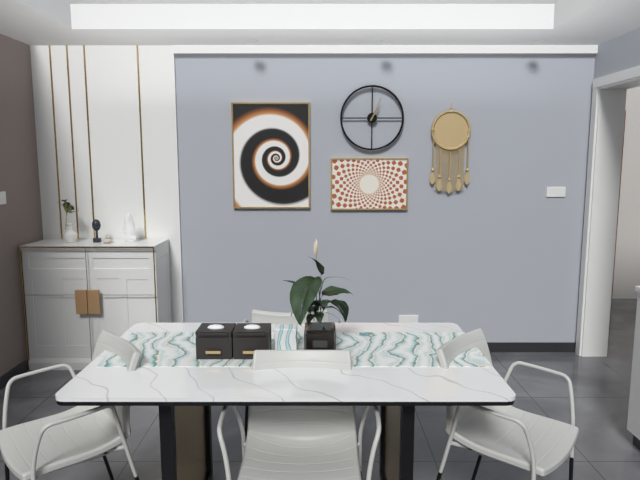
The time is 1,04
